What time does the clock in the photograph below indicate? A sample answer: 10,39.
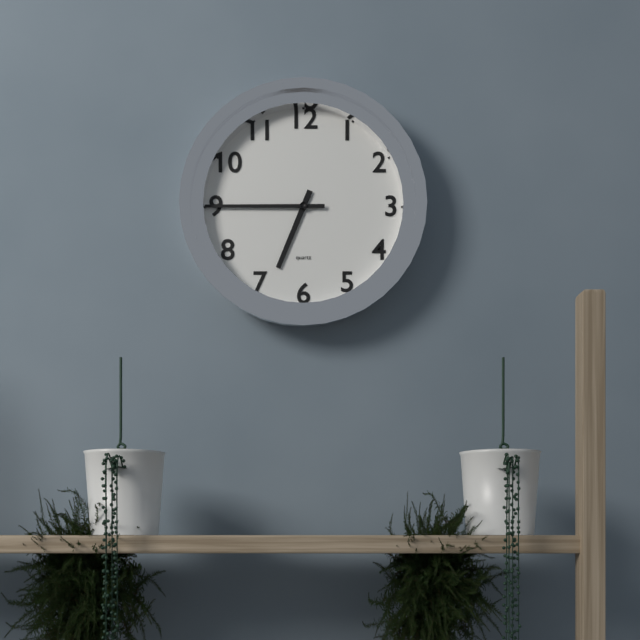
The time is 6,45
